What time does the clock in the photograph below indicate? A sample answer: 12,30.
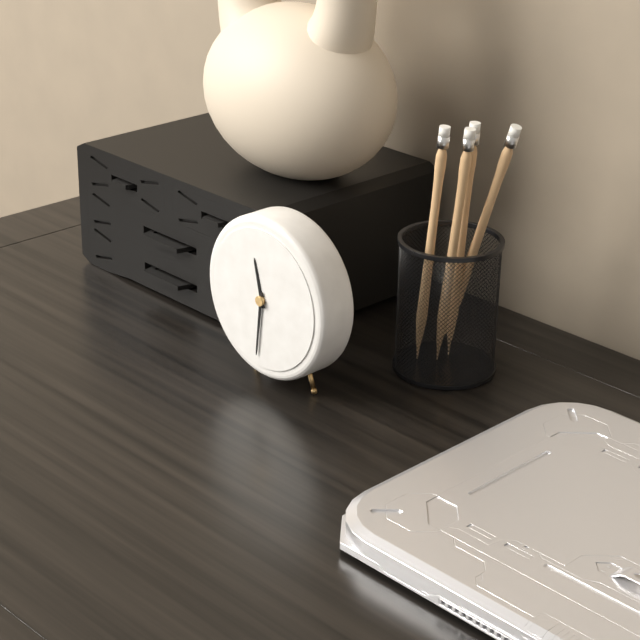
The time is 11,31
